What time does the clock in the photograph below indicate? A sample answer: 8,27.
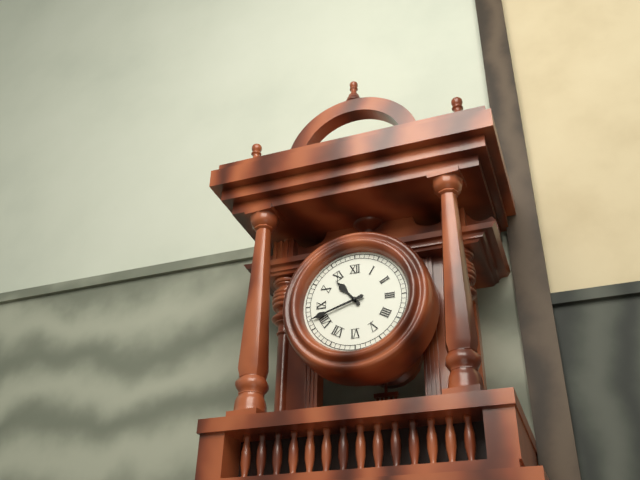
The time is 10,42
